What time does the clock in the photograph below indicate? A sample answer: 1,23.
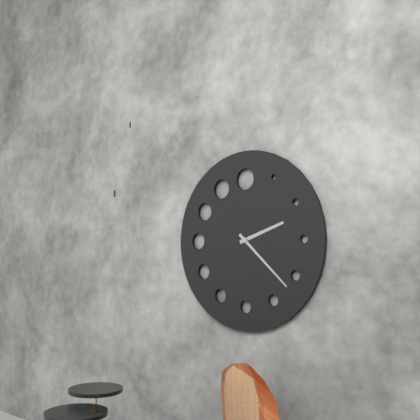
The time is 2,22
